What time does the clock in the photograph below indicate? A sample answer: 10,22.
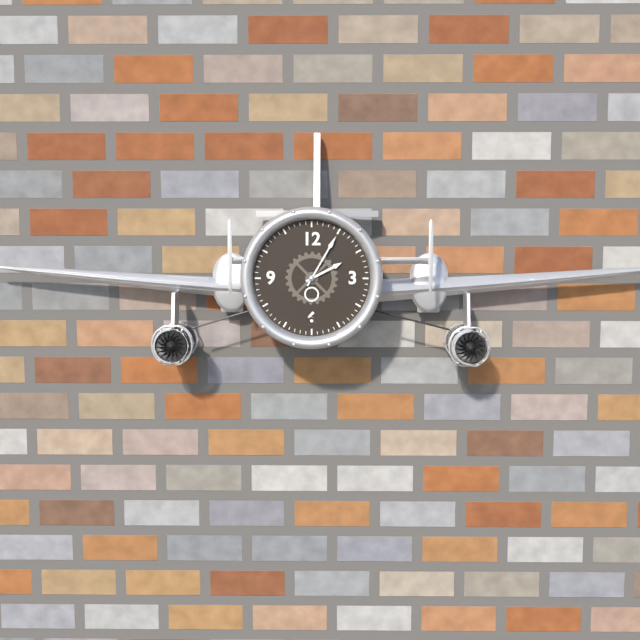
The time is 2,05
